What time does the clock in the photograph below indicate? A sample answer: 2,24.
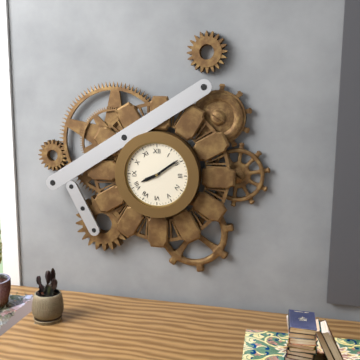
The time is 8,09
